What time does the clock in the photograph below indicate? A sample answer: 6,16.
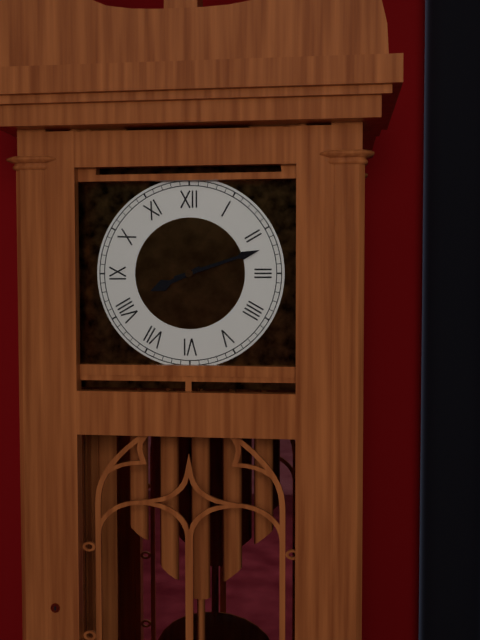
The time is 8,12
